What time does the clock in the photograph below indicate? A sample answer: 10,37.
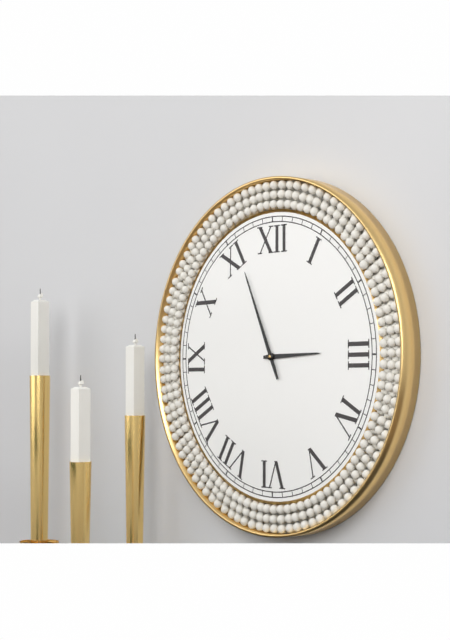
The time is 2,56
